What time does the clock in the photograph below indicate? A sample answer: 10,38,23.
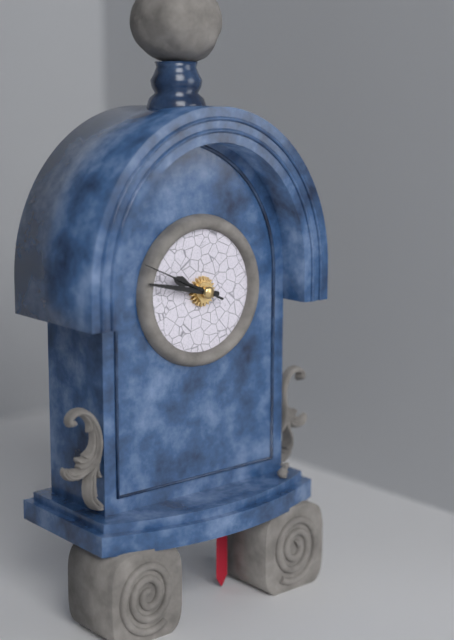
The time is 9,47,49
